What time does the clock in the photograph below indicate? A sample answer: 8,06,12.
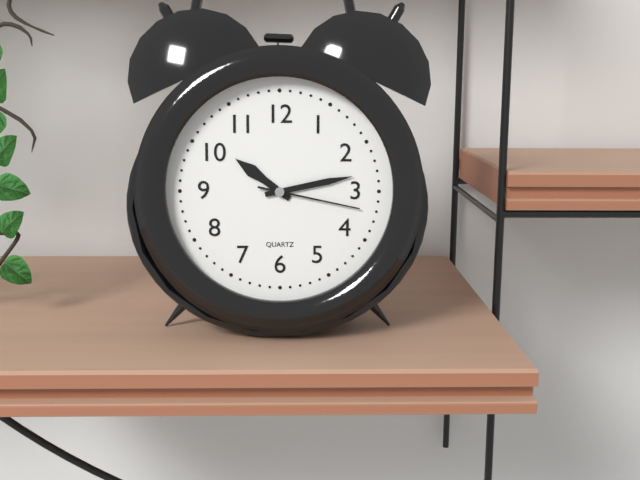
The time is 10,13,17
